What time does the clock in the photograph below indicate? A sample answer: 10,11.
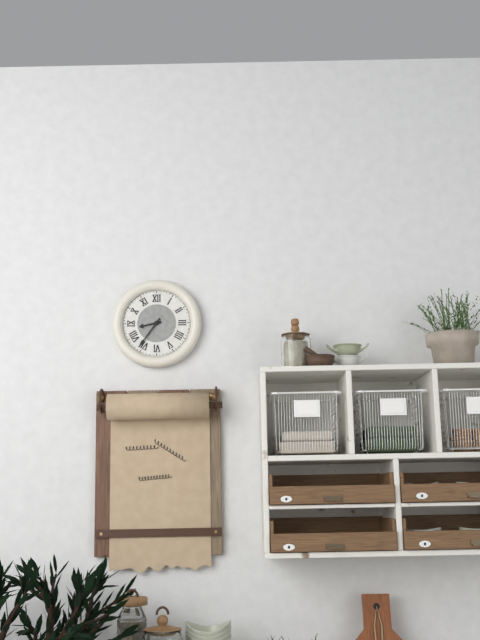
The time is 8,36
